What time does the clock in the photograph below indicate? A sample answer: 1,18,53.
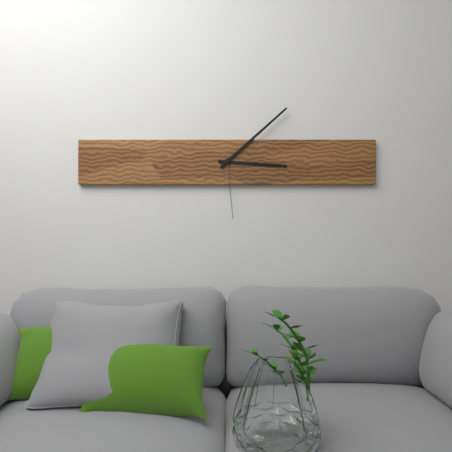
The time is 3,08,29
